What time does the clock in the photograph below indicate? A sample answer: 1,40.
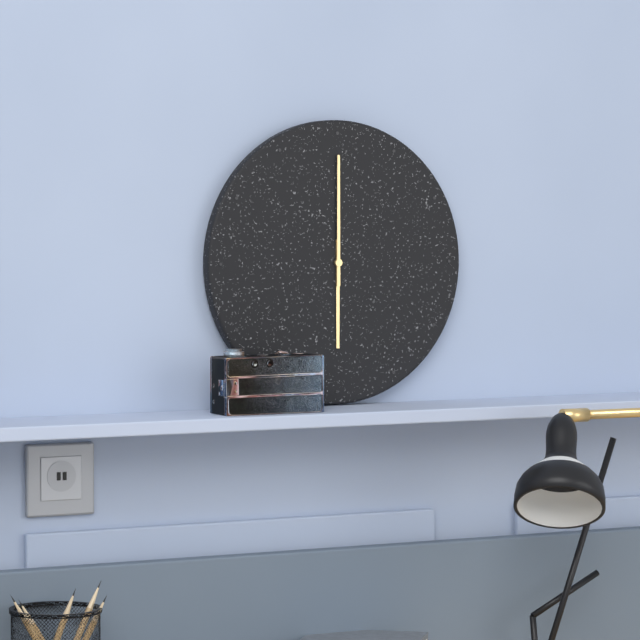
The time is 6,00
